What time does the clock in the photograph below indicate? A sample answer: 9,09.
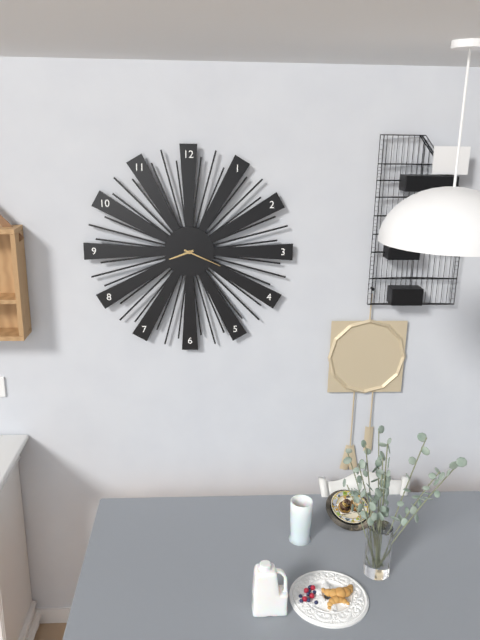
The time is 8,19
